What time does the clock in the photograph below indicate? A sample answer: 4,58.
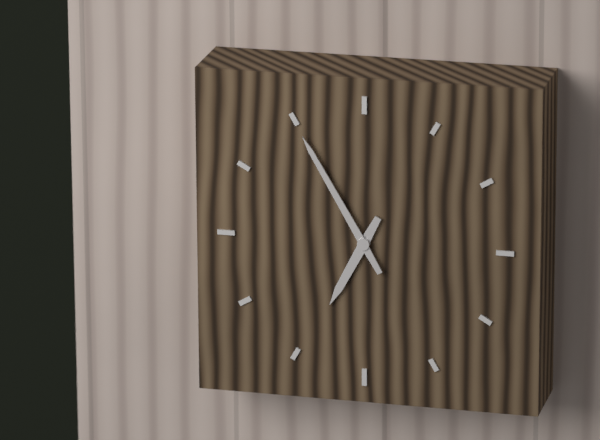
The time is 6,55
